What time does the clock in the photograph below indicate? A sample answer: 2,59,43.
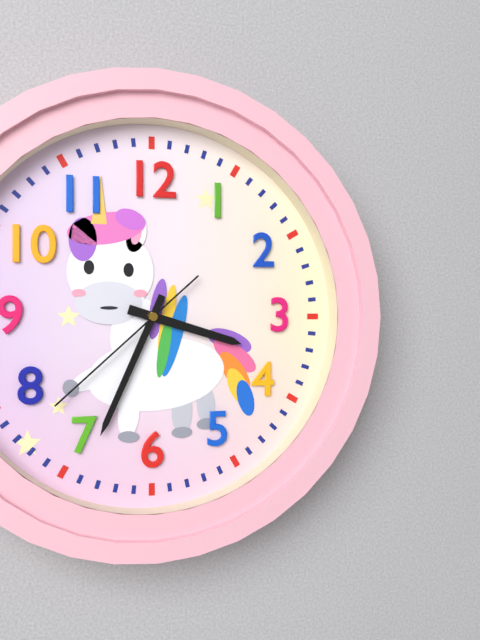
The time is 3,34,38
